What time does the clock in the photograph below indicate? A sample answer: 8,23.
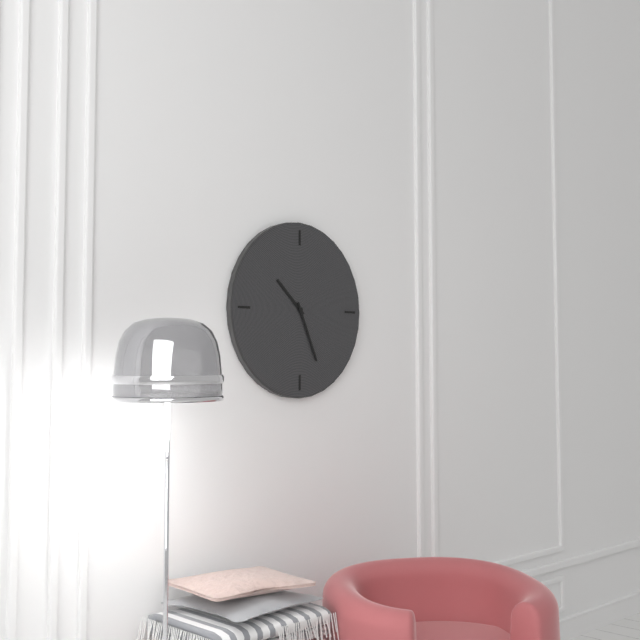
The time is 10,26
